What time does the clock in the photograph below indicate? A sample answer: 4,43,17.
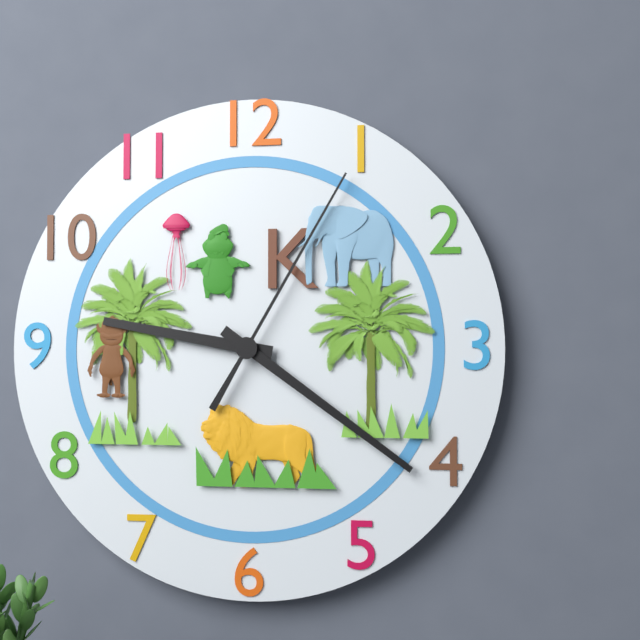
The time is 9,21,05
